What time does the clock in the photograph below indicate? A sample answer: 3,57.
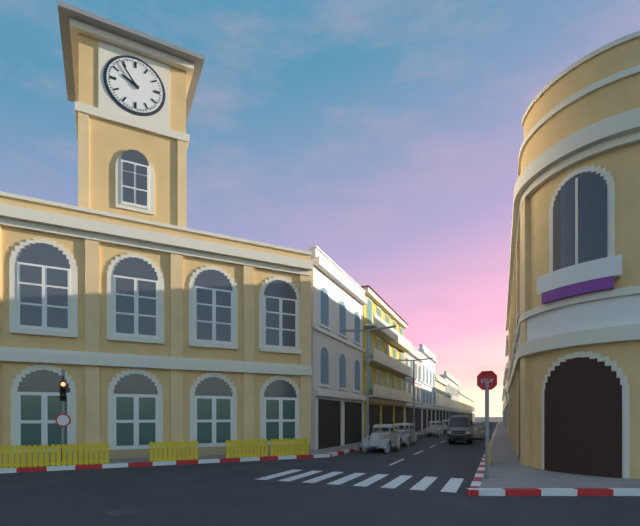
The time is 9,54
